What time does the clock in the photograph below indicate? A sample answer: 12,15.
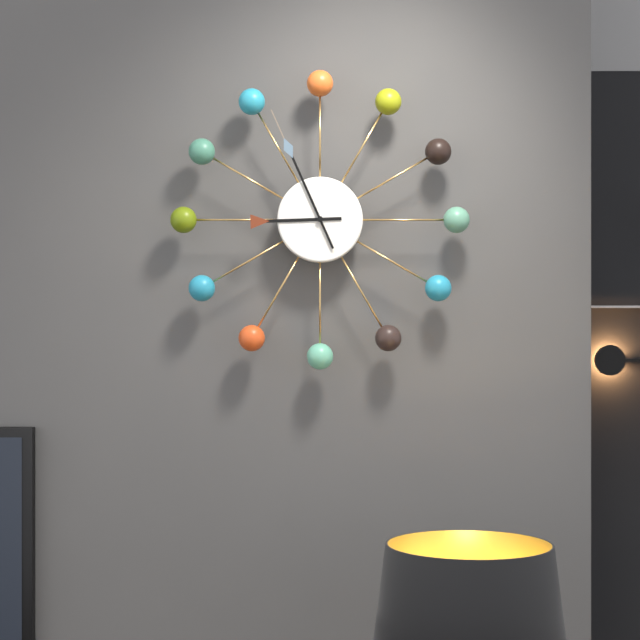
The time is 8,56
